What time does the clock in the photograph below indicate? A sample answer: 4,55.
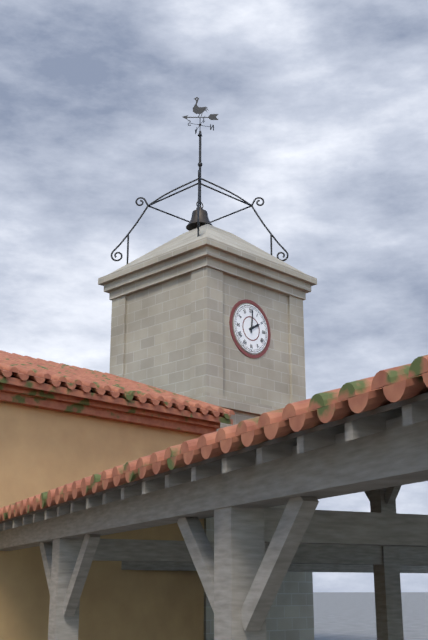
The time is 2,01
